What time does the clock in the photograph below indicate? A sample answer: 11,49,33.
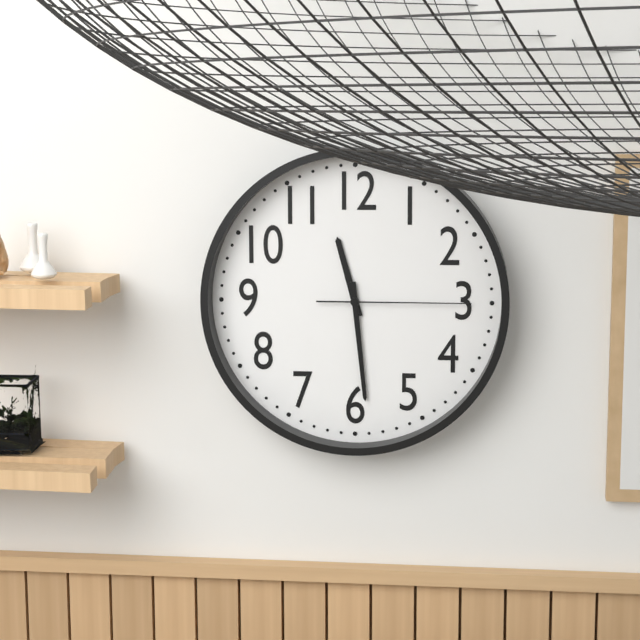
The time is 11,29,15
